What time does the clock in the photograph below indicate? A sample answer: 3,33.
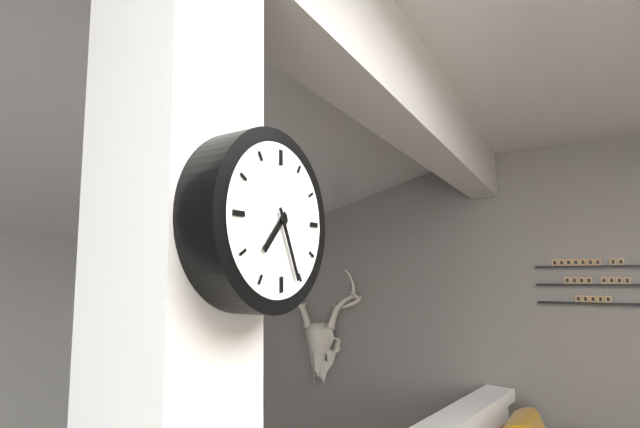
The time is 7,26
